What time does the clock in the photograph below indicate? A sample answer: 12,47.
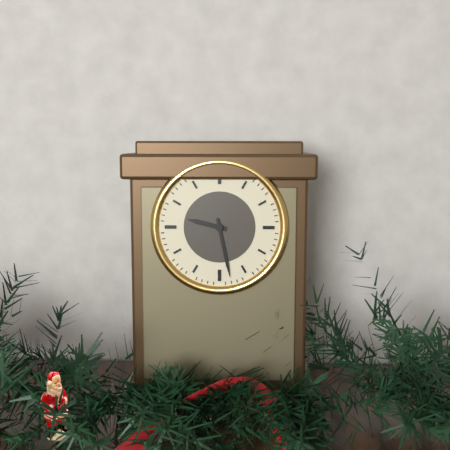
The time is 9,28
